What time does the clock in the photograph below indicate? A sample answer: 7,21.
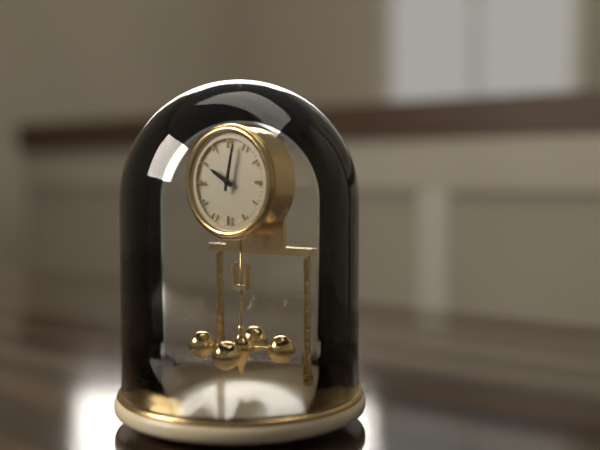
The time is 10,02
